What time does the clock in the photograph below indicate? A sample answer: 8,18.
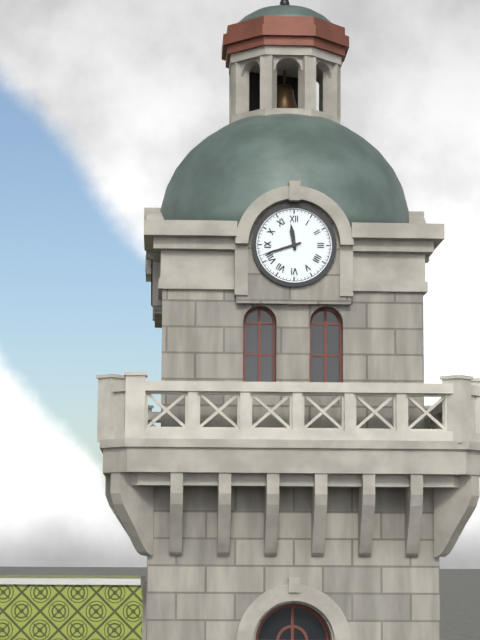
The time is 11,42
